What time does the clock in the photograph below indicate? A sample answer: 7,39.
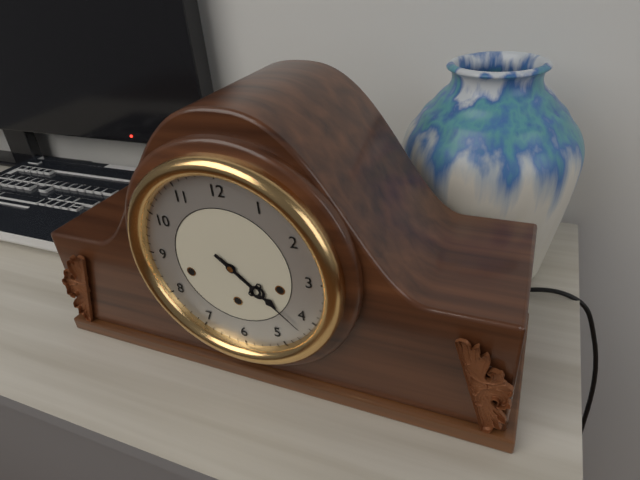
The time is 4,22
